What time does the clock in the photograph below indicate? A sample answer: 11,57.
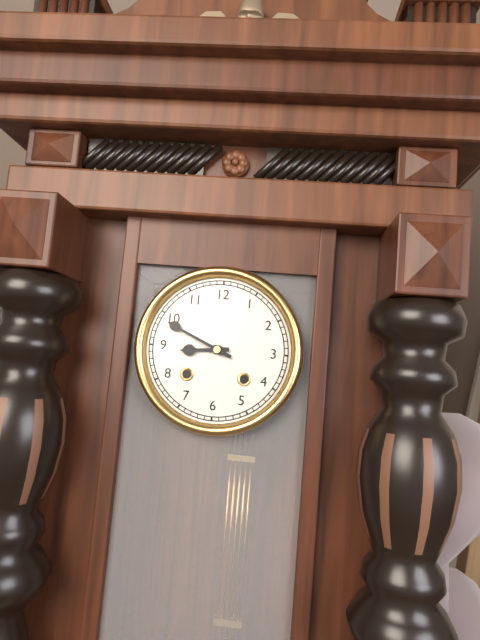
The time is 8,49
